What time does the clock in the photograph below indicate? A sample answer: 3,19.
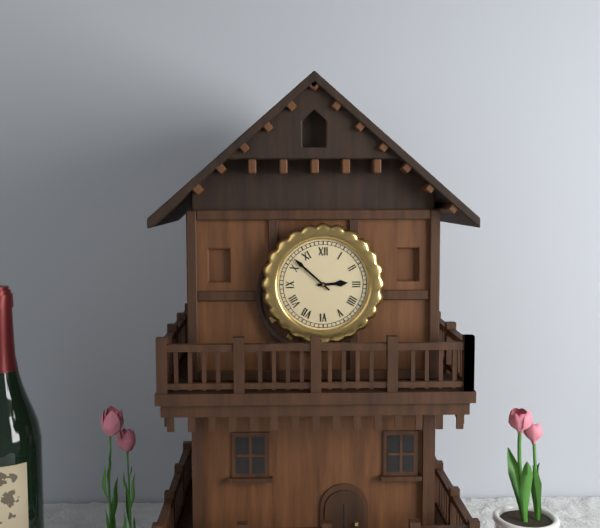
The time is 2,52
